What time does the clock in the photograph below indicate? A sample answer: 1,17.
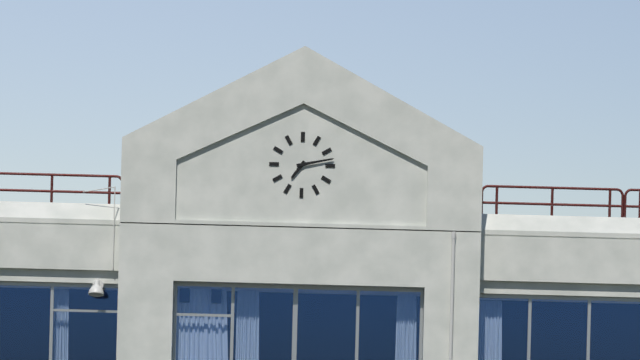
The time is 7,13
